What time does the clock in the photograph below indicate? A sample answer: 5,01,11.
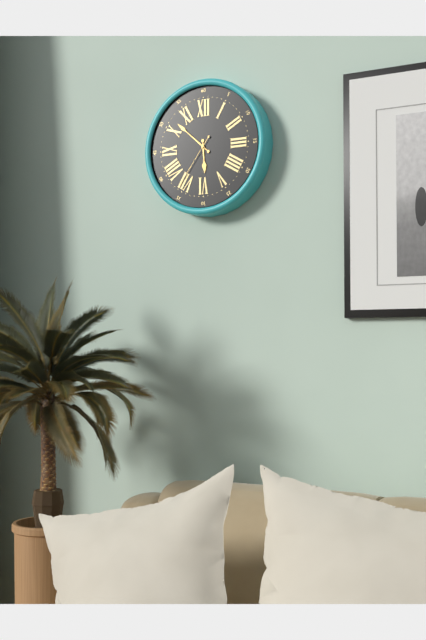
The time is 5,52,36
